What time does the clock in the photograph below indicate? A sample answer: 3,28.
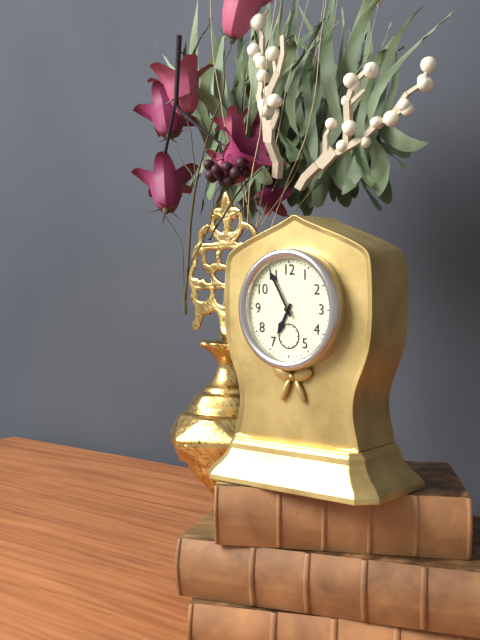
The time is 6,55
